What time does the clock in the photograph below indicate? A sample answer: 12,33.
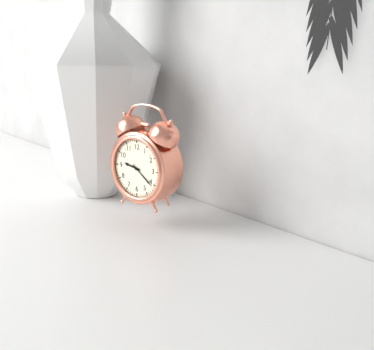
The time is 9,21
